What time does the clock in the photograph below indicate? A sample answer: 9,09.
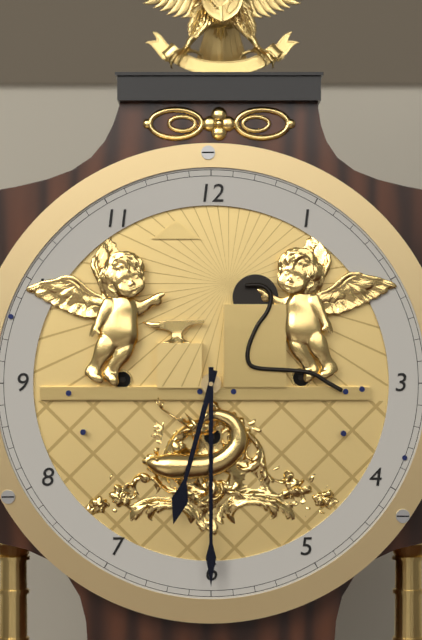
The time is 6,30
